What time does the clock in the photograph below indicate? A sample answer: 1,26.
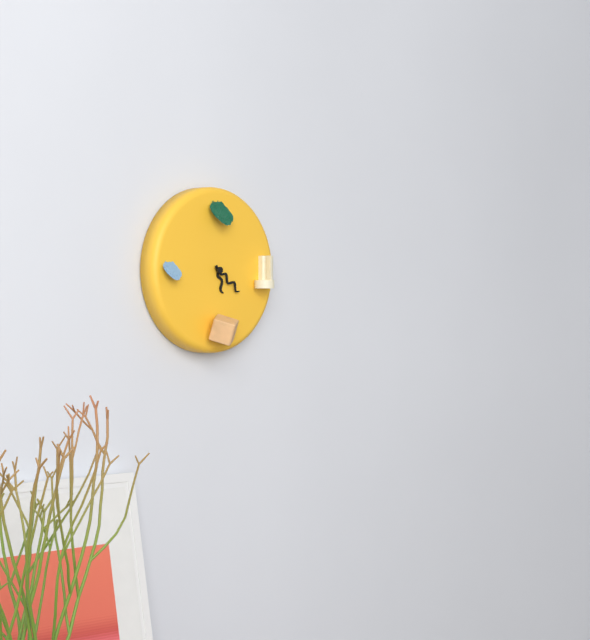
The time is 5,21
